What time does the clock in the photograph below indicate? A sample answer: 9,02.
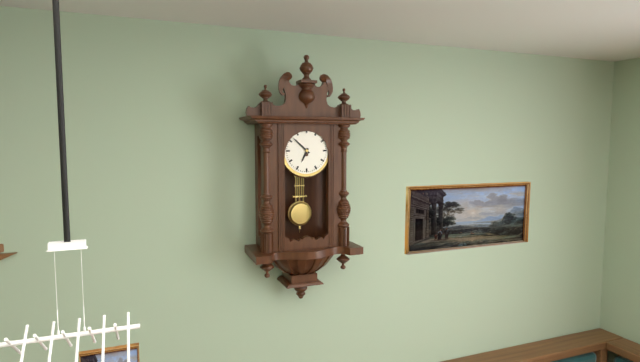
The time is 6,52
